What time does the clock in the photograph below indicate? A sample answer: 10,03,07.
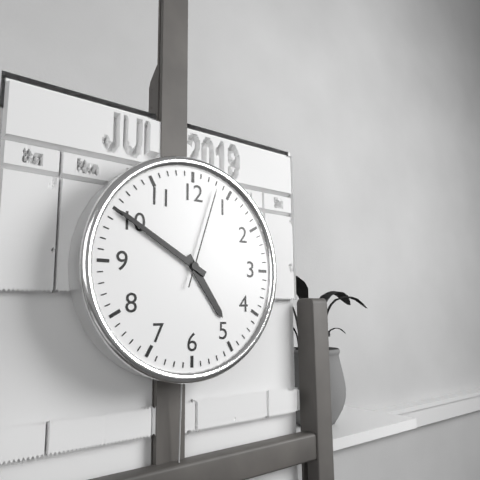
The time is 4,50,03
